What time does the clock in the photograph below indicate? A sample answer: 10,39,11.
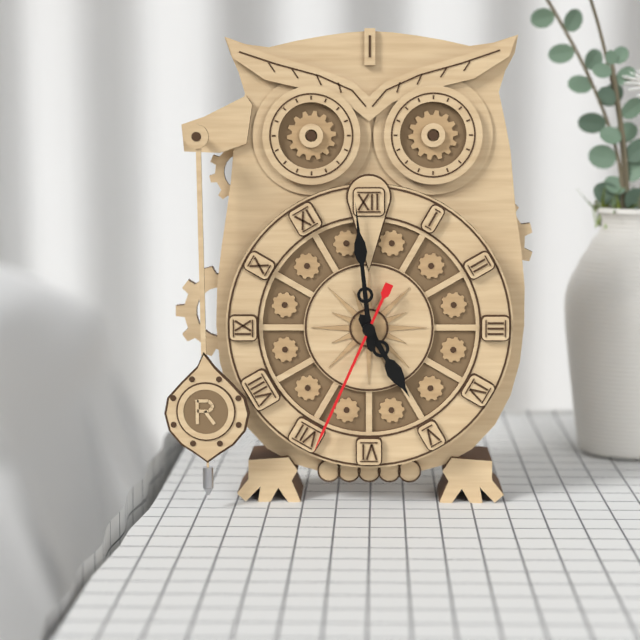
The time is 4,59,34
